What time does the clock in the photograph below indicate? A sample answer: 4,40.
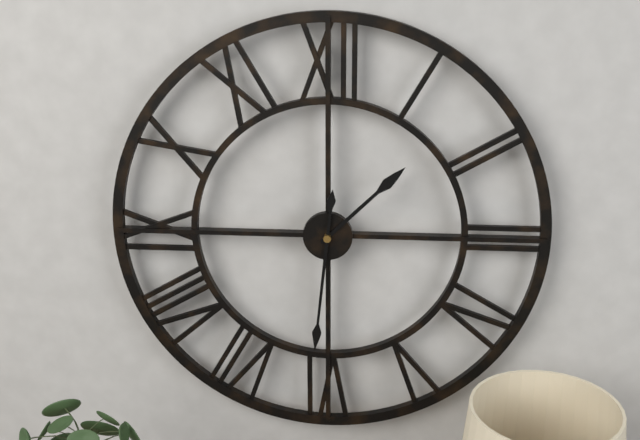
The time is 1,31
